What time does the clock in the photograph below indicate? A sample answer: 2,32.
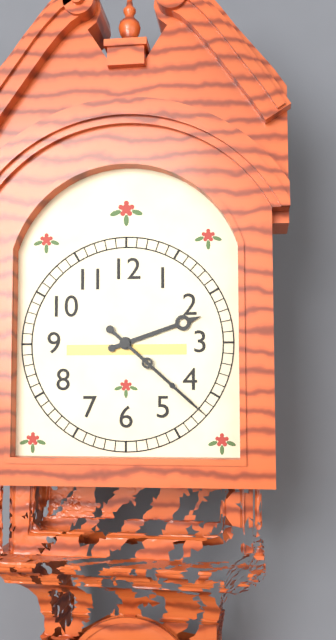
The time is 2,22
